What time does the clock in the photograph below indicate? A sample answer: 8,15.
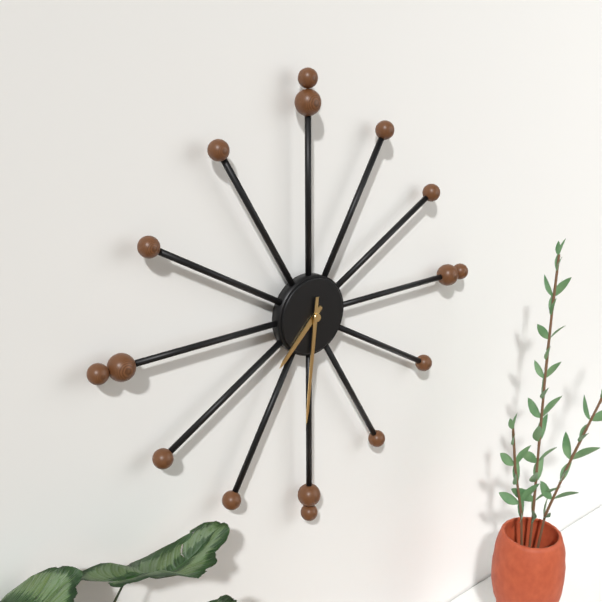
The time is 7,31
